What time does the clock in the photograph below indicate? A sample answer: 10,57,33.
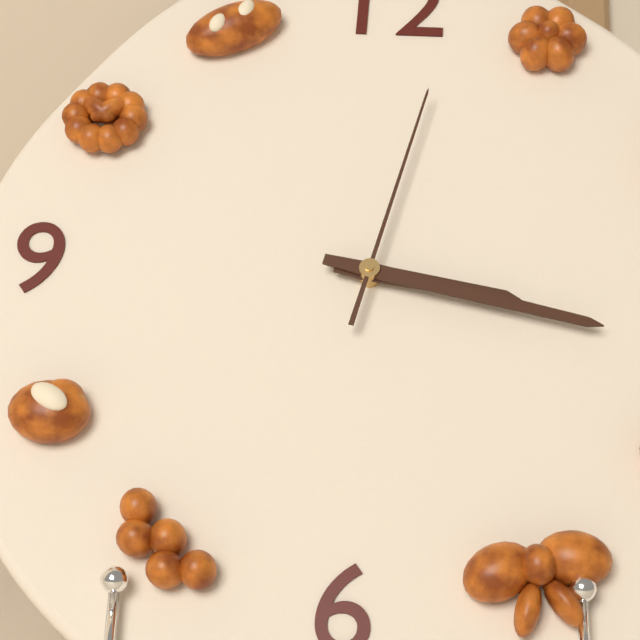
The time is 3,17,02
